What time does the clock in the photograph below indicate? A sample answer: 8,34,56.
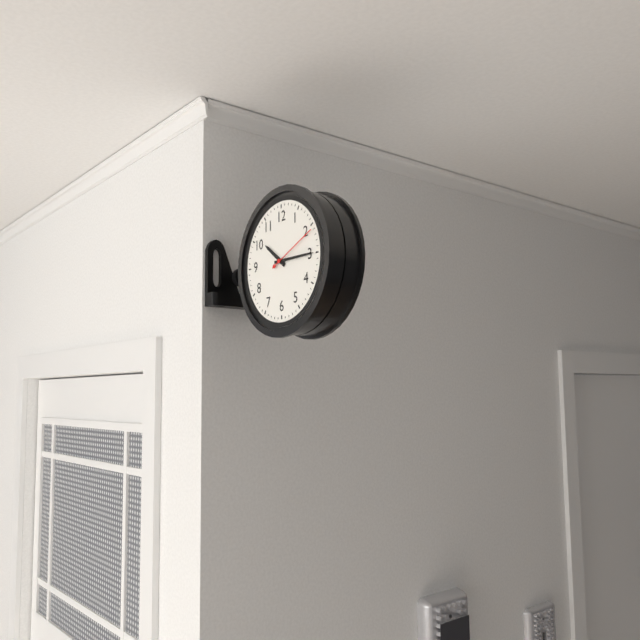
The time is 10,15,11
